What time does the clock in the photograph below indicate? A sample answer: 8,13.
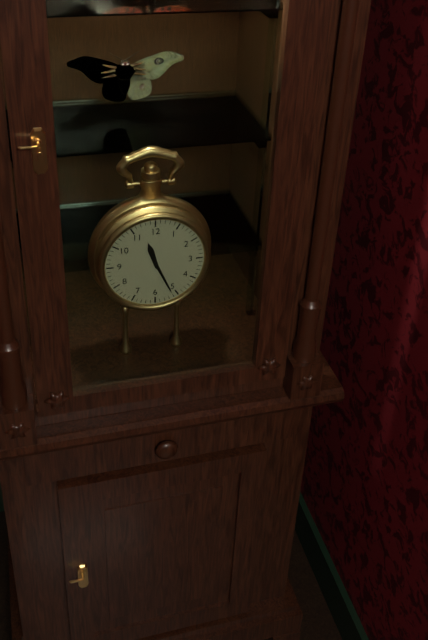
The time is 11,26
